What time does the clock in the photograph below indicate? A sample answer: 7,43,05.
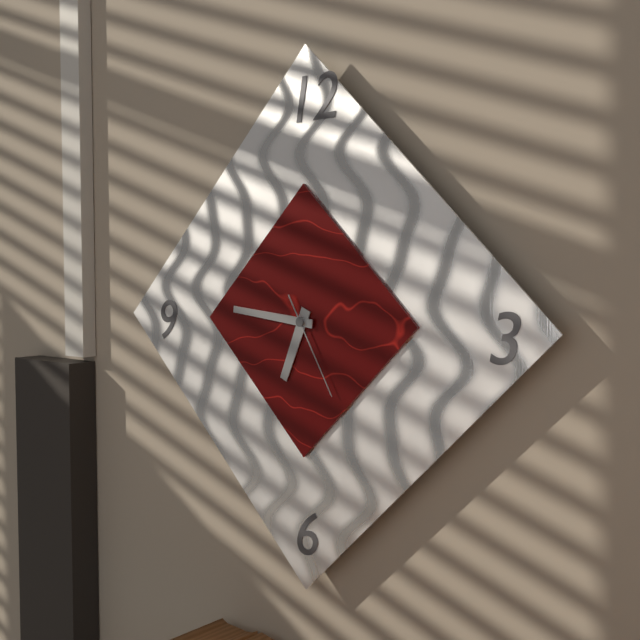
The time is 6,46,25
